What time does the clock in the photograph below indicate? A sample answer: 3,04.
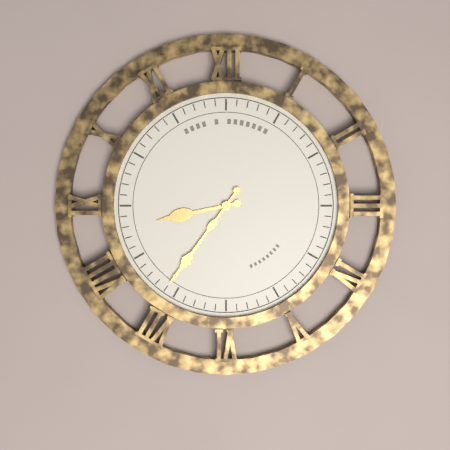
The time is 8,36
